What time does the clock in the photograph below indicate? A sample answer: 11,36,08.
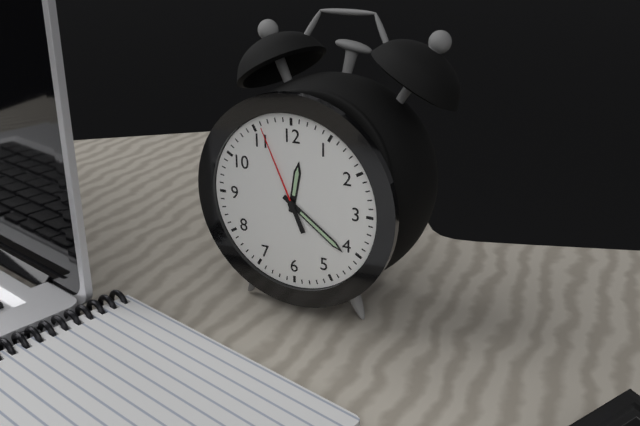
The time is 12,21,56
